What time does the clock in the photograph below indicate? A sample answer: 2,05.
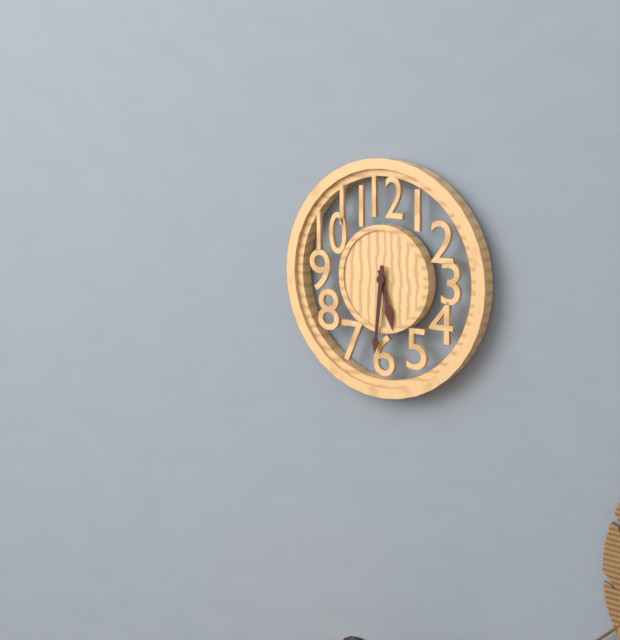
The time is 5,31
